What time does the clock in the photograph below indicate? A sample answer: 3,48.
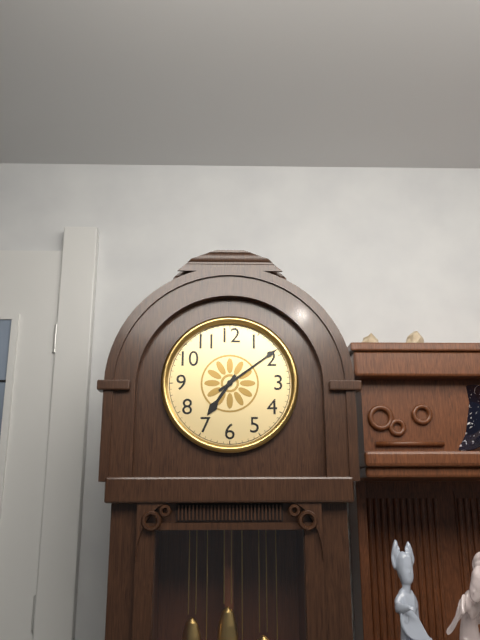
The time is 7,09
